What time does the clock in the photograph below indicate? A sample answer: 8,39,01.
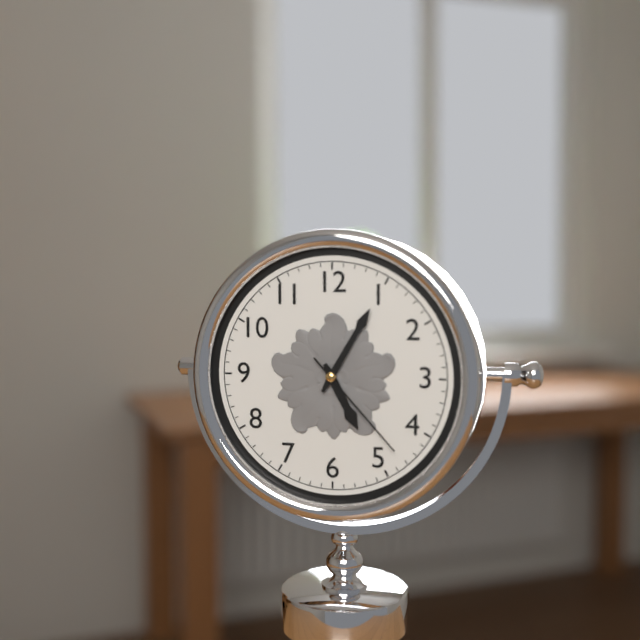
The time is 5,05,23
